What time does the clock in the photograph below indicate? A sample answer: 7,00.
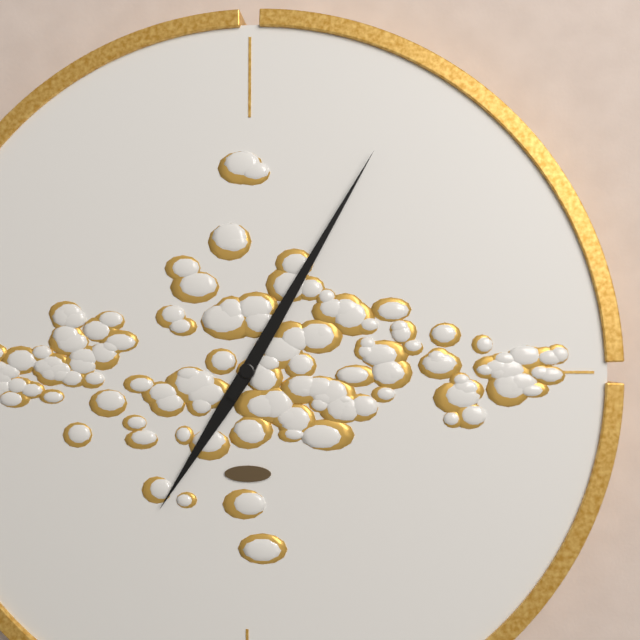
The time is 7,05
